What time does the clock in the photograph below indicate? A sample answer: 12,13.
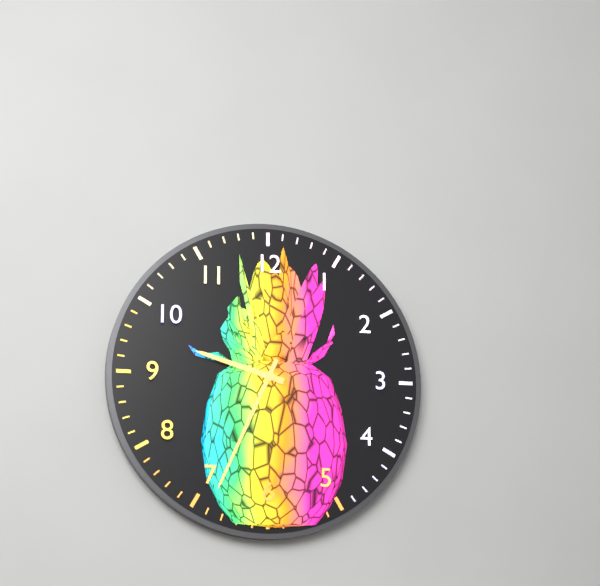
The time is 9,34
